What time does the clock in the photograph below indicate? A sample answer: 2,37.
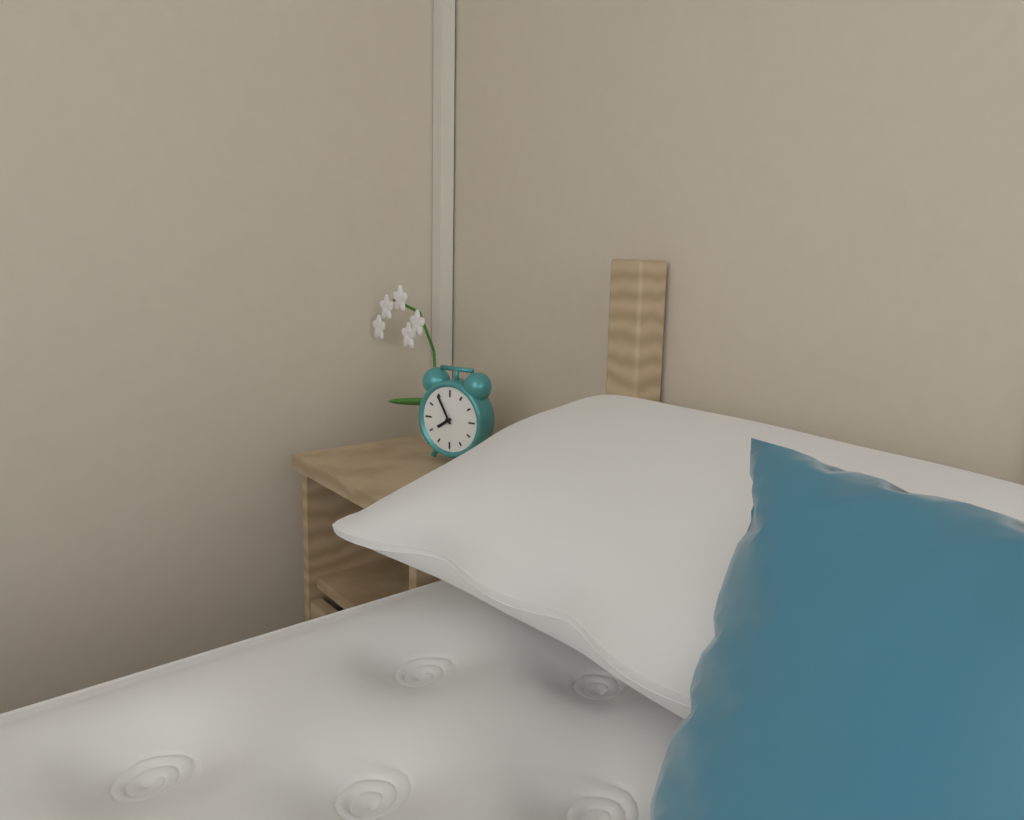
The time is 7,55
